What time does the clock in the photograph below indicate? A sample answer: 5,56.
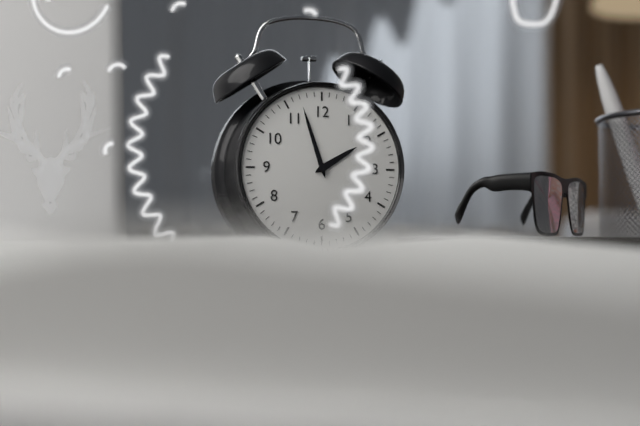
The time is 1,57
